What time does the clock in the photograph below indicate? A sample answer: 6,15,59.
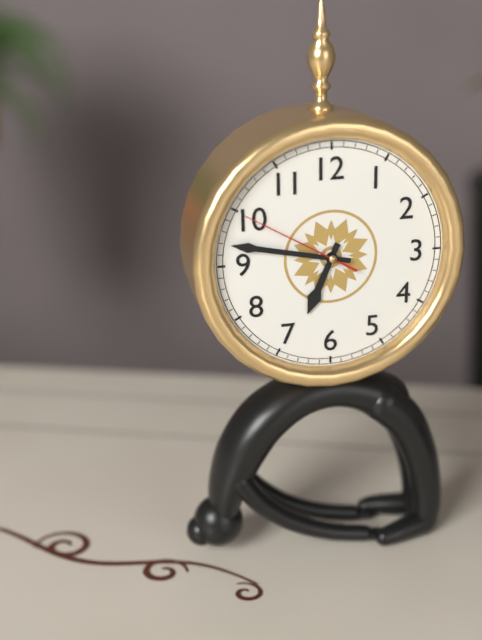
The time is 6,47,50
